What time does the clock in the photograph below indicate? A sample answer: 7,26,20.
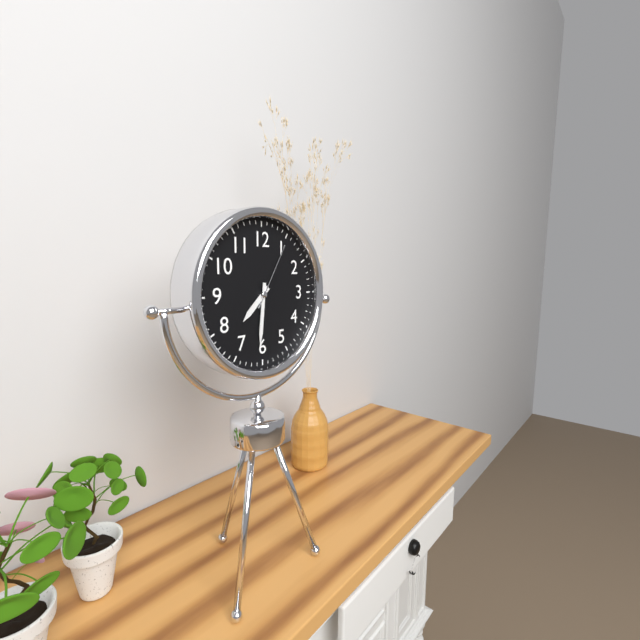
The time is 7,31,05
